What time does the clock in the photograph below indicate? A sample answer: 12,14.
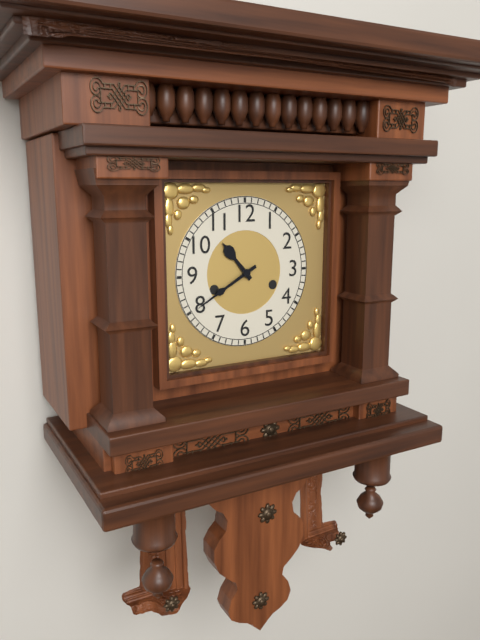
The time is 10,40
